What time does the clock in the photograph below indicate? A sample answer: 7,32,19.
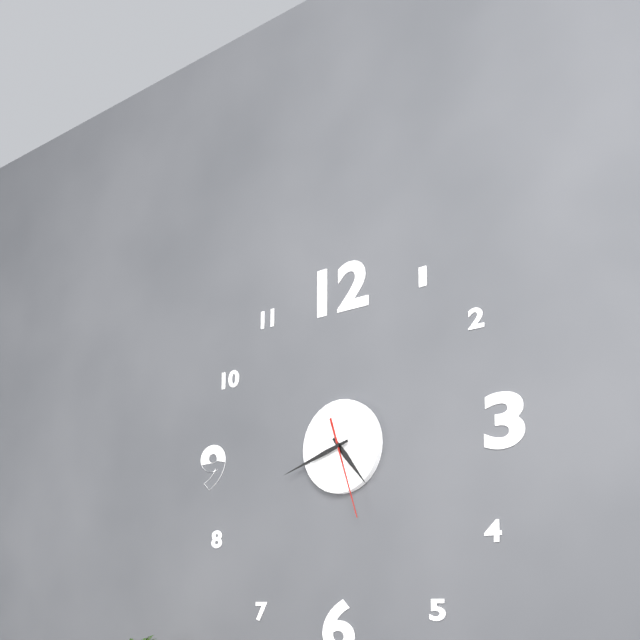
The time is 4,42,27
